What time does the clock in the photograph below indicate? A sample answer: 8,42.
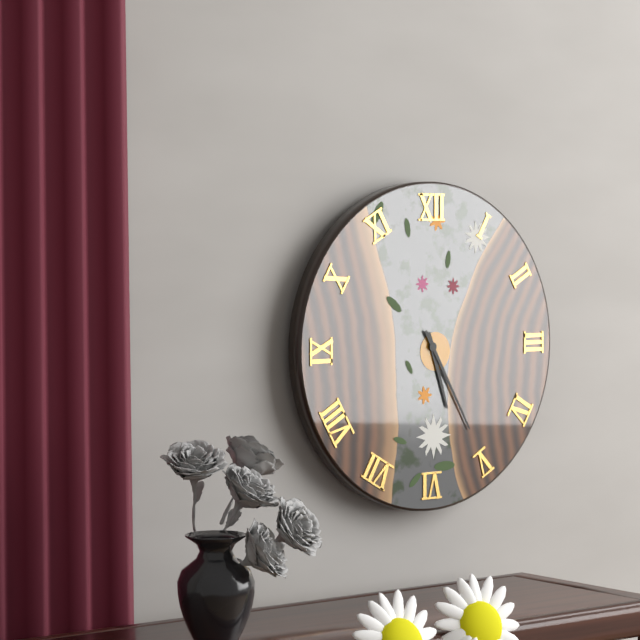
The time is 5,25
